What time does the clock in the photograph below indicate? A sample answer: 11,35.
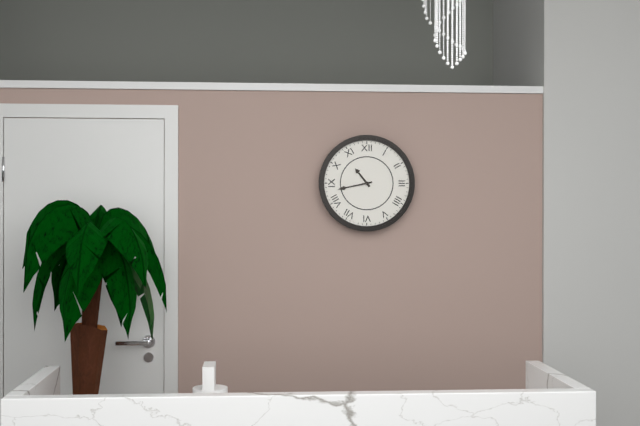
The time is 10,43
